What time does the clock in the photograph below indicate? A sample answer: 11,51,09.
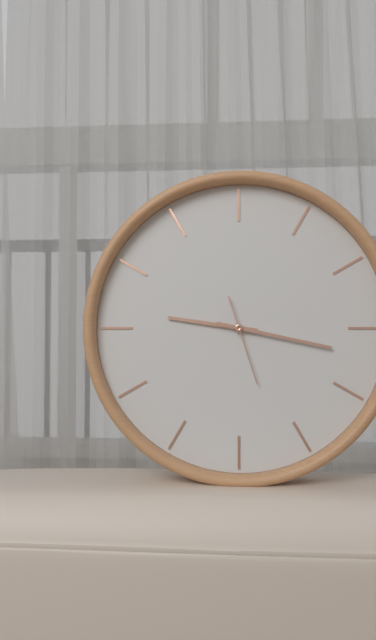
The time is 9,17,27
